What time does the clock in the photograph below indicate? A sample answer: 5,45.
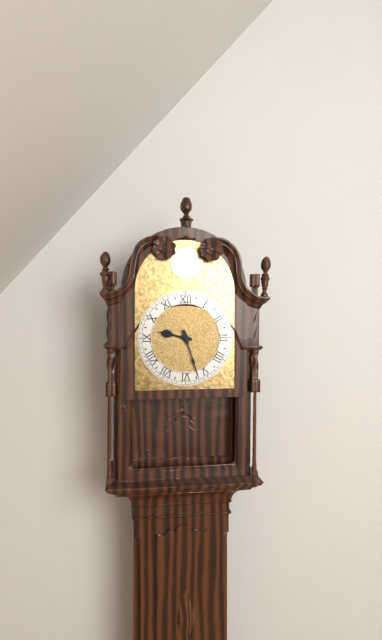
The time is 9,27
